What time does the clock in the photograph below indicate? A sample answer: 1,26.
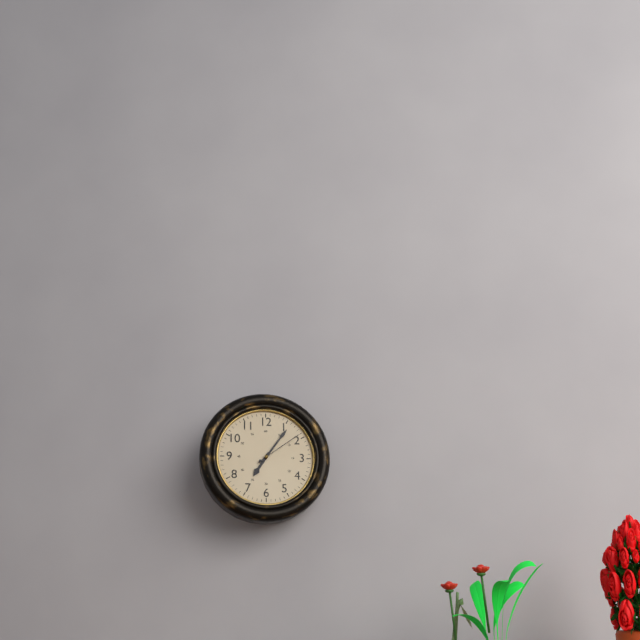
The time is 7,06
